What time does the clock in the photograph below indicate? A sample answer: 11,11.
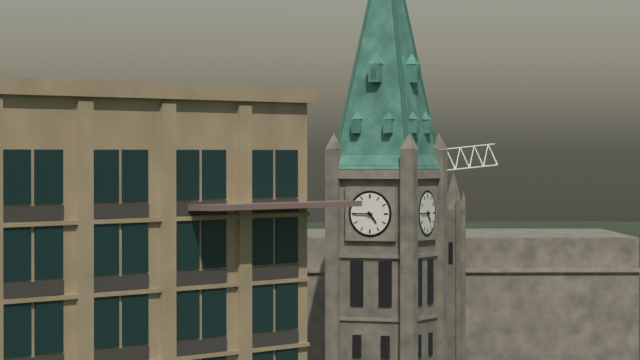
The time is 4,45
